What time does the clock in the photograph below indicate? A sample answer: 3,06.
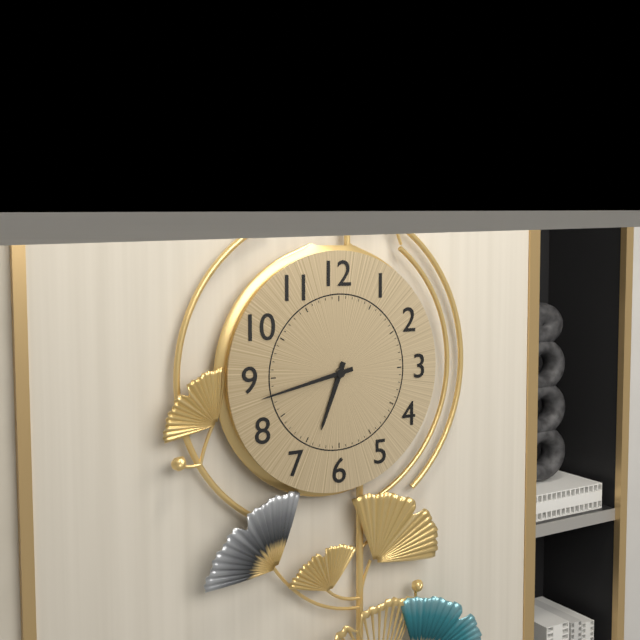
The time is 6,43
